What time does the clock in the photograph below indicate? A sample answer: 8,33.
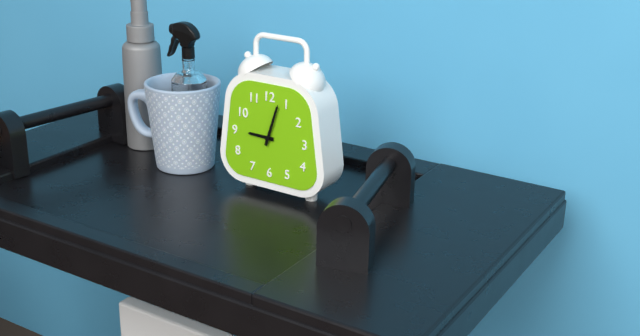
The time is 9,03
